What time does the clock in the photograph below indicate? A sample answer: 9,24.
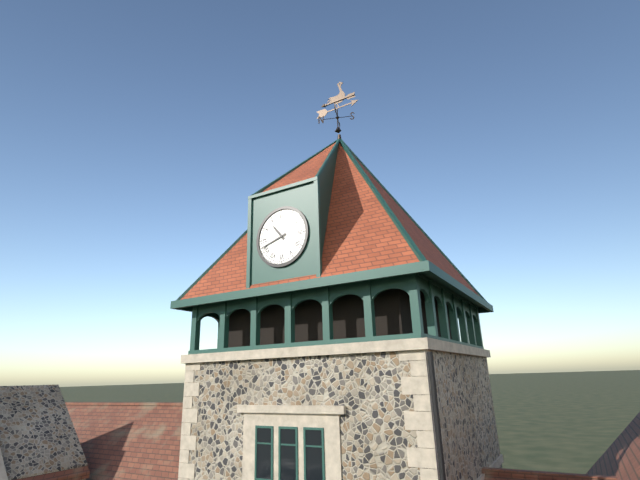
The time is 10,42
